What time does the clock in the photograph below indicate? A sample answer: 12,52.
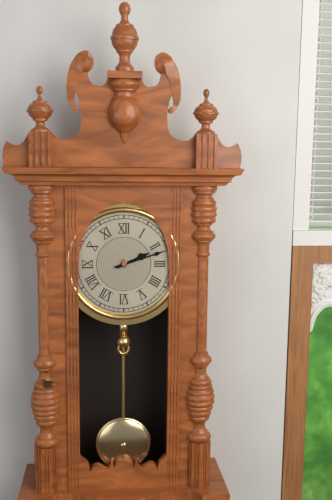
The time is 2,12
